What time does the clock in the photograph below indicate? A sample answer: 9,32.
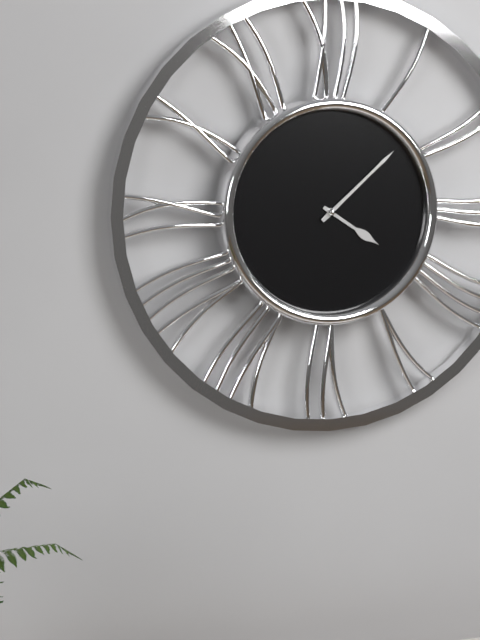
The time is 4,08
